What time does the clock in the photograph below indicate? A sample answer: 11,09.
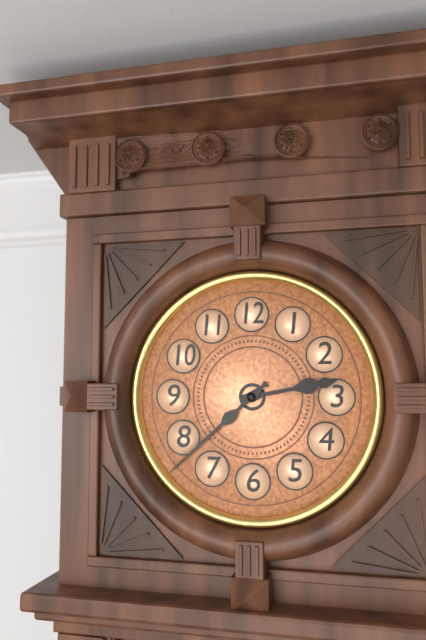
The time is 2,38
